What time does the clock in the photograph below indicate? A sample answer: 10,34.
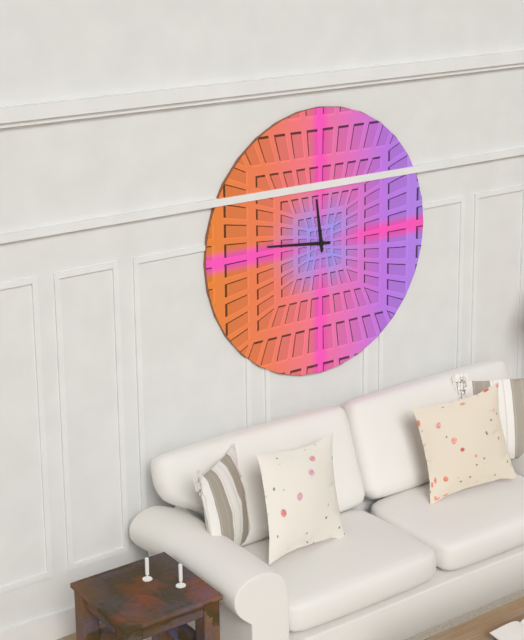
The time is 11,46
